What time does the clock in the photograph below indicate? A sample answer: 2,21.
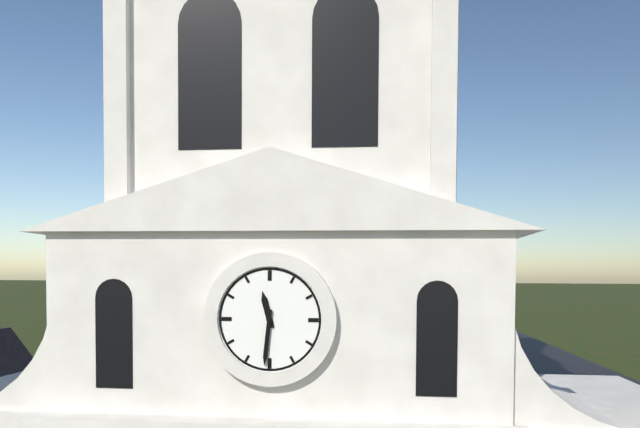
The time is 11,31
